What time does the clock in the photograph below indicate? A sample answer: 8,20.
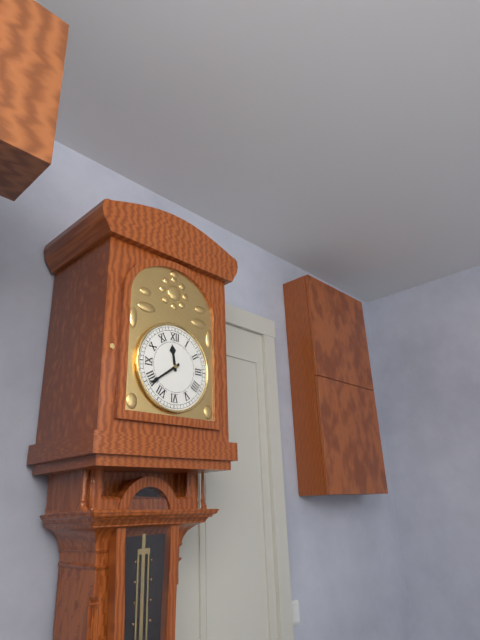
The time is 11,39
